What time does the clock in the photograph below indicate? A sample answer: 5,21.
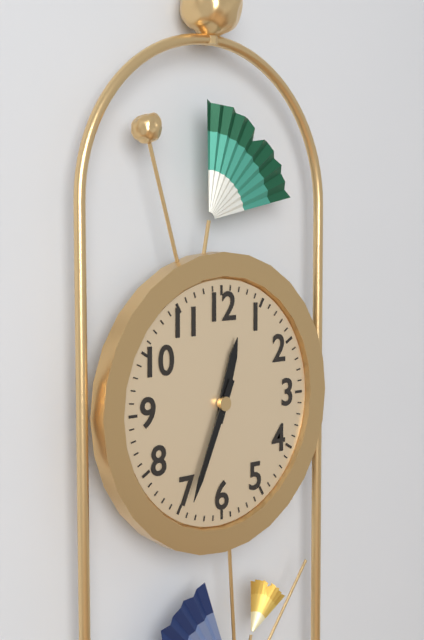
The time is 12,34
